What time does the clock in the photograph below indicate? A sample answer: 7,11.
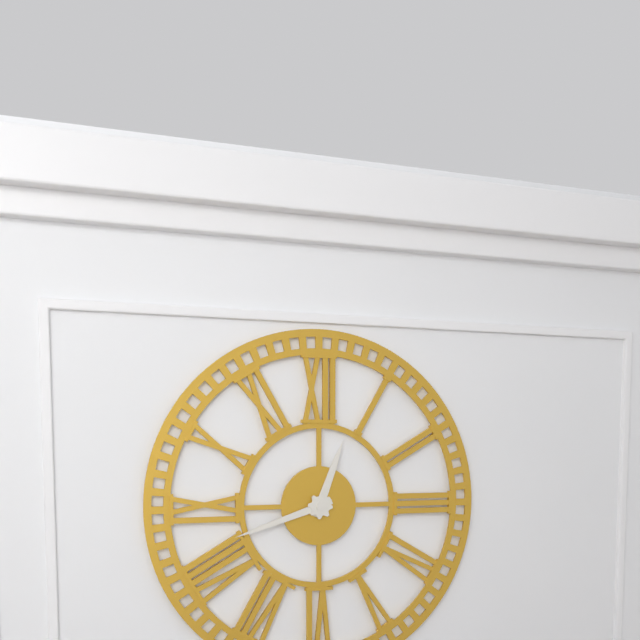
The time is 12,42
